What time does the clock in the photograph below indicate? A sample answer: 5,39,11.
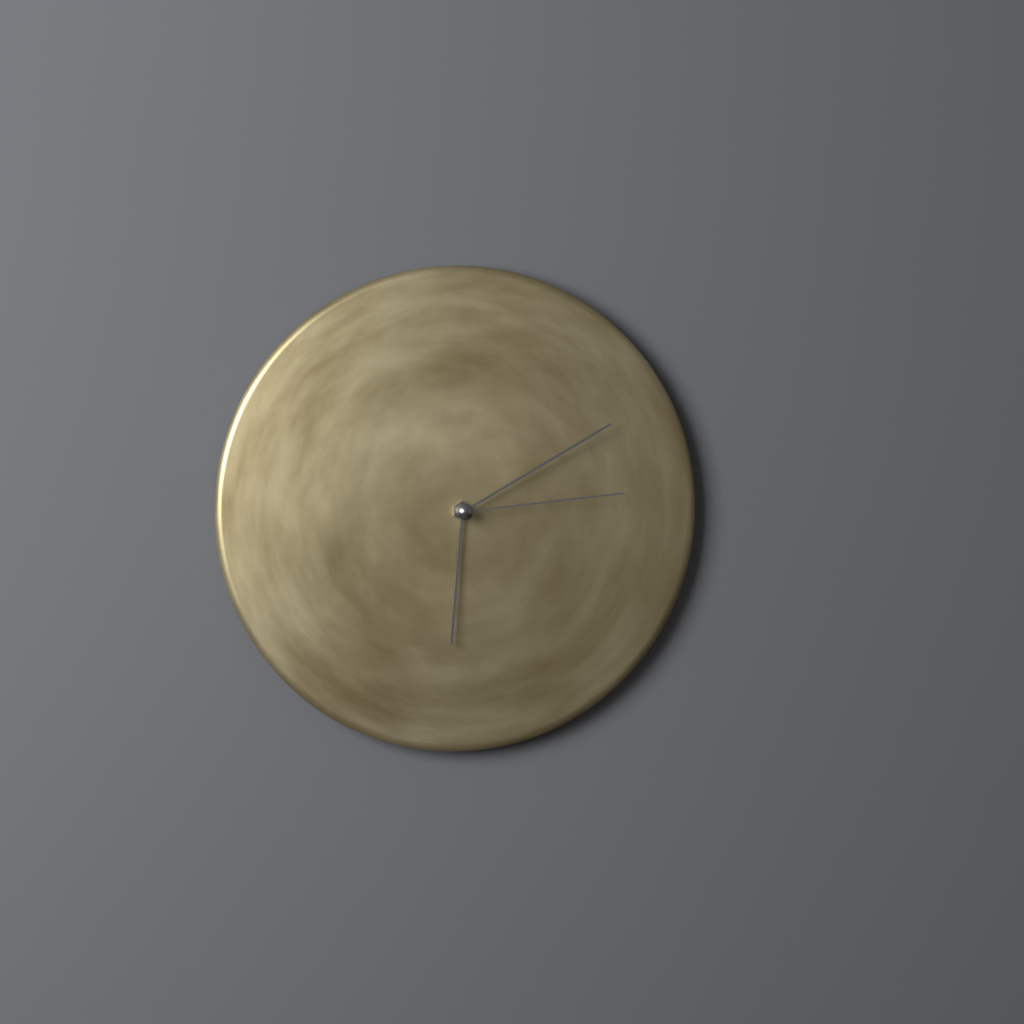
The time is 6,10,14
